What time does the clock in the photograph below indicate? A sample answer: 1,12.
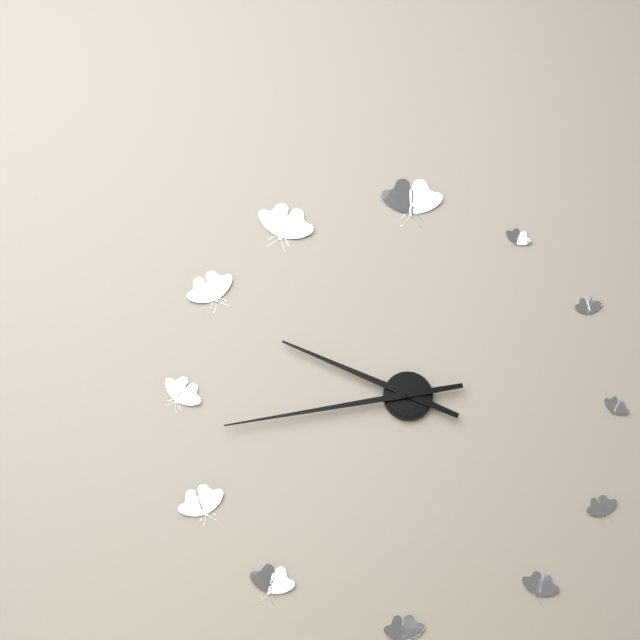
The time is 9,43
